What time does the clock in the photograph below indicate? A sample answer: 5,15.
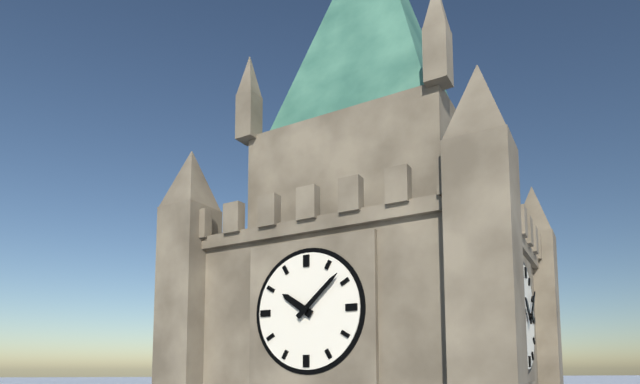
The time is 10,08
